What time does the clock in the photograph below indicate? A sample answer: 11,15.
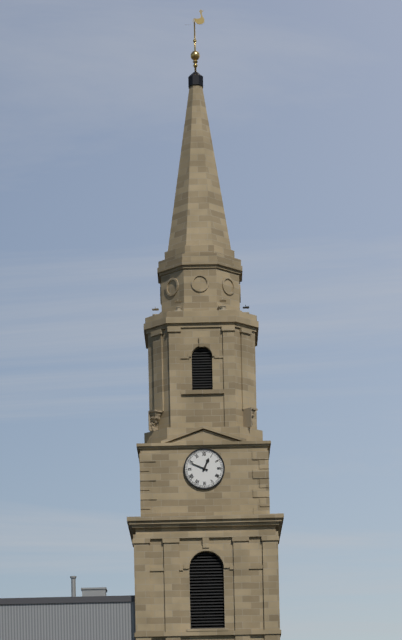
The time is 12,49
